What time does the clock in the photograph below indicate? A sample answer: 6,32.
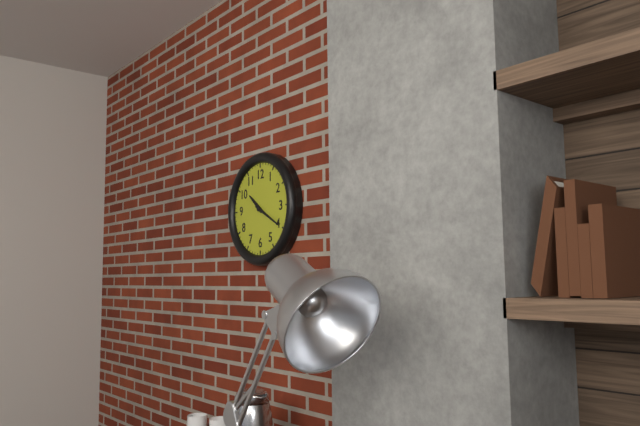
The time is 10,20
